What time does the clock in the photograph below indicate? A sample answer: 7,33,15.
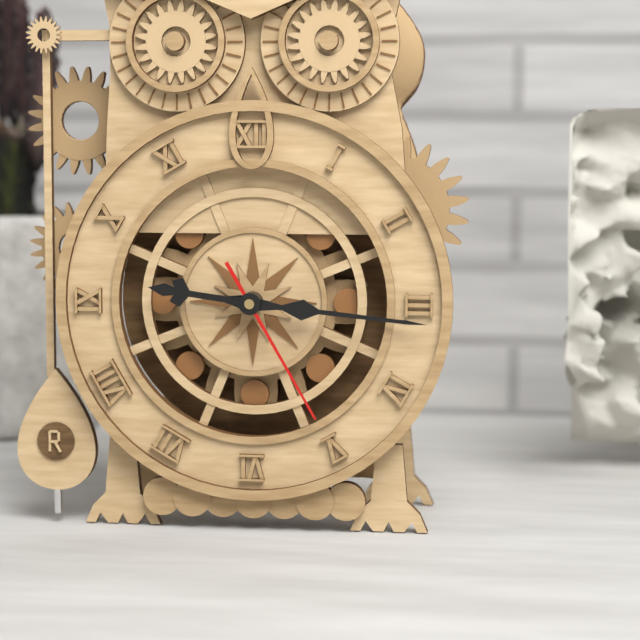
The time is 9,16,25
